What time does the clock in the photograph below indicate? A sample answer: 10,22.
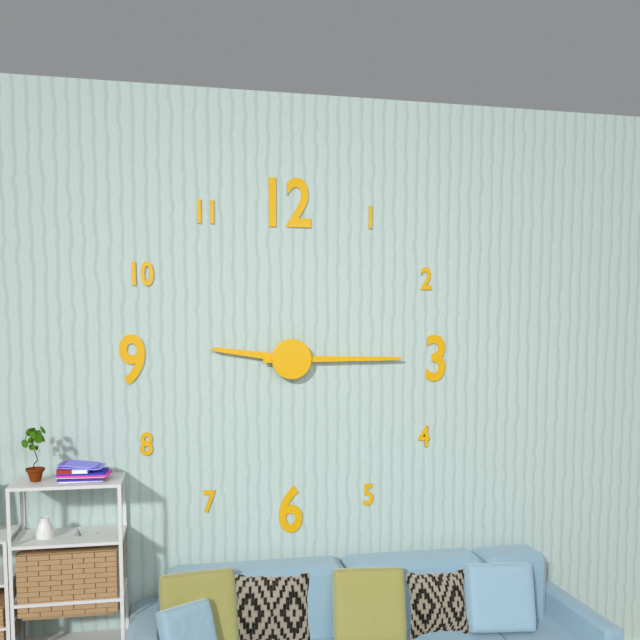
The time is 9,15
